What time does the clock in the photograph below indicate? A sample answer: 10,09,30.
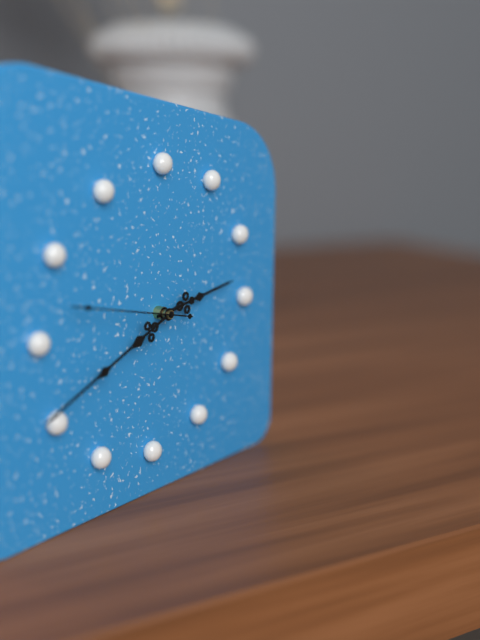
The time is 2,41,47
